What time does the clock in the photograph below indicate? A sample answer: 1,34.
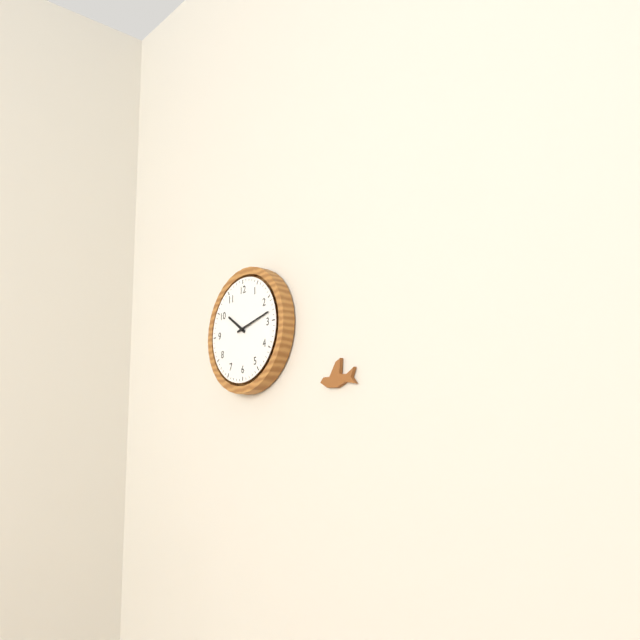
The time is 10,13
